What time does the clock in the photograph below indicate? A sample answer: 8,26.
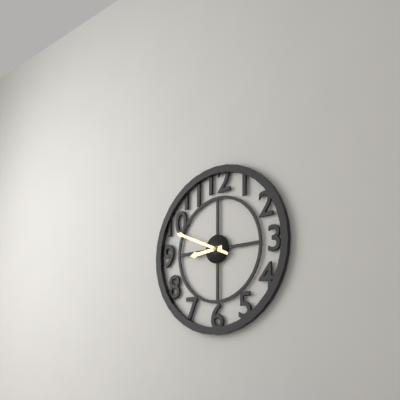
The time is 8,49
